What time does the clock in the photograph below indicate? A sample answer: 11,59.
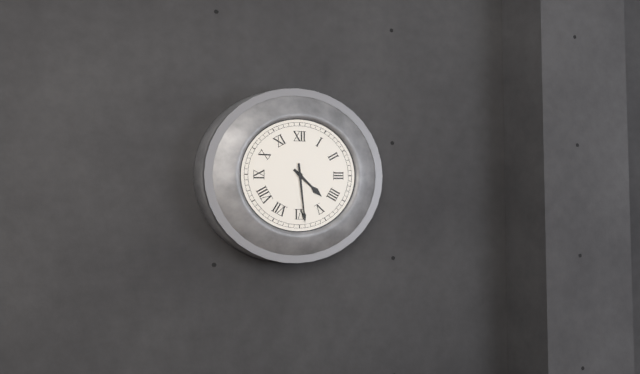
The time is 4,29
